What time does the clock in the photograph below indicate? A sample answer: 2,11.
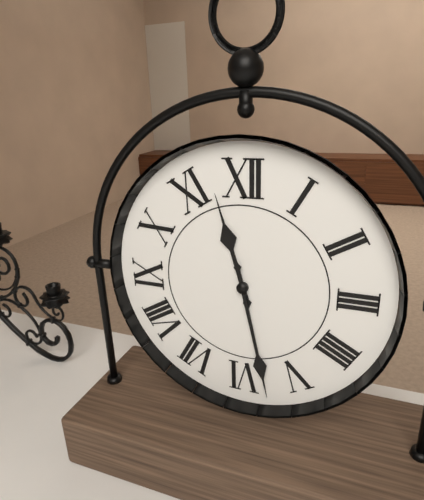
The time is 11,28
